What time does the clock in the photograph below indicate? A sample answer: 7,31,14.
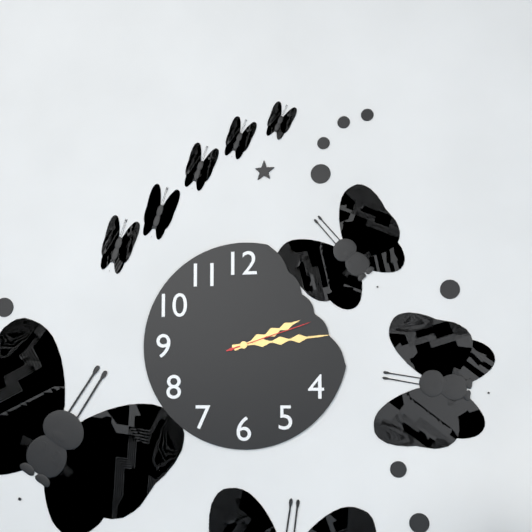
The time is 2,14,12
